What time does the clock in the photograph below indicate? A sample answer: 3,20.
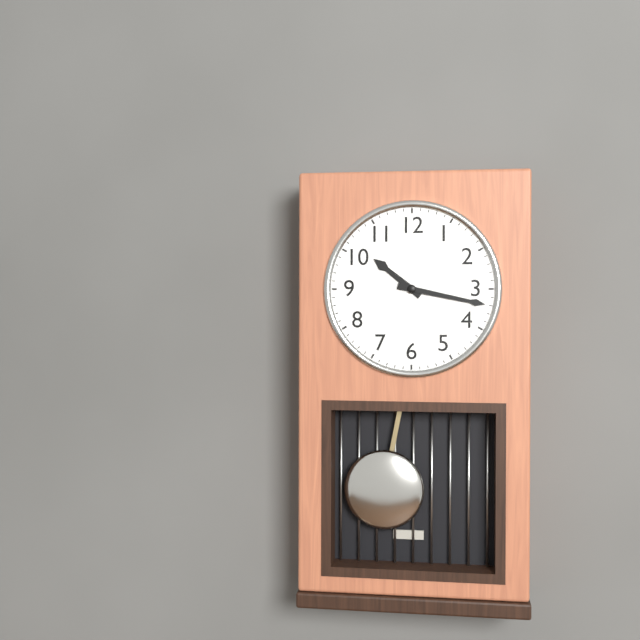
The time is 10,17
